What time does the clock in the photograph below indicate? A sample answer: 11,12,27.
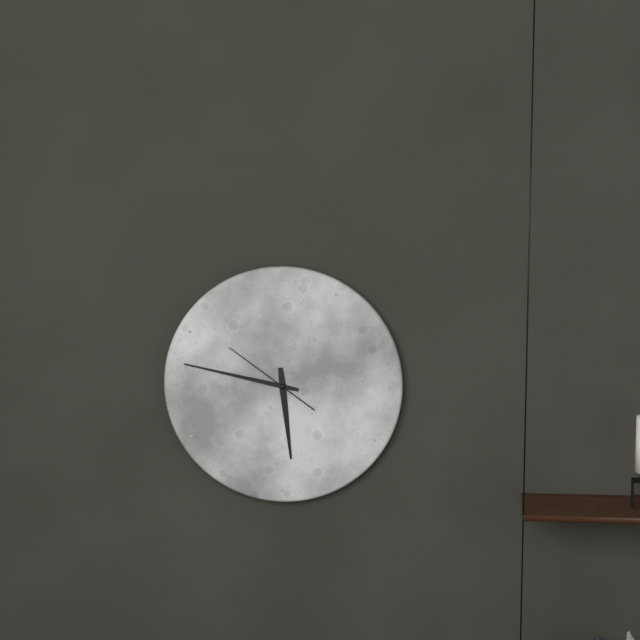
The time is 5,47,51
